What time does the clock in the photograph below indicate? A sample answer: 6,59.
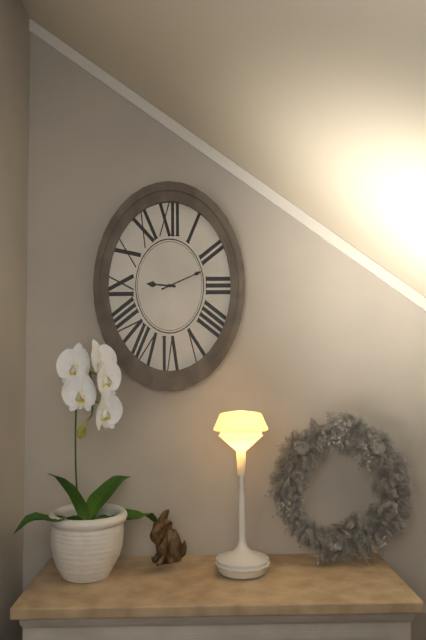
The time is 9,11
